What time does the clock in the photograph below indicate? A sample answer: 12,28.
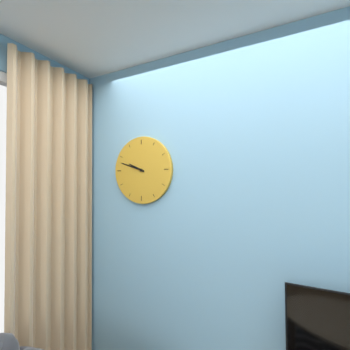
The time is 9,48
